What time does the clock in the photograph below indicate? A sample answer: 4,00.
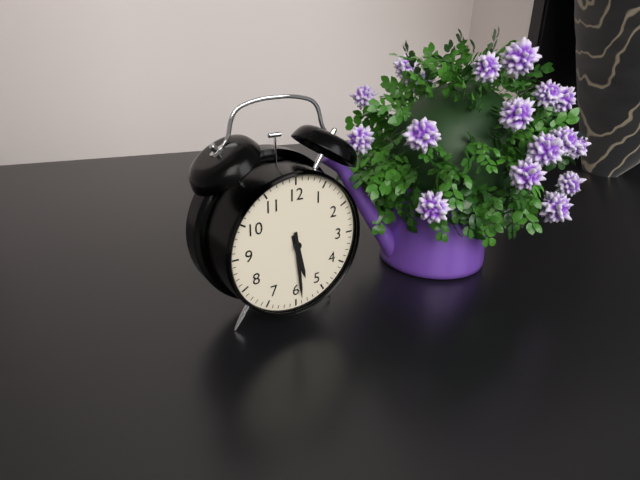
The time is 5,29
